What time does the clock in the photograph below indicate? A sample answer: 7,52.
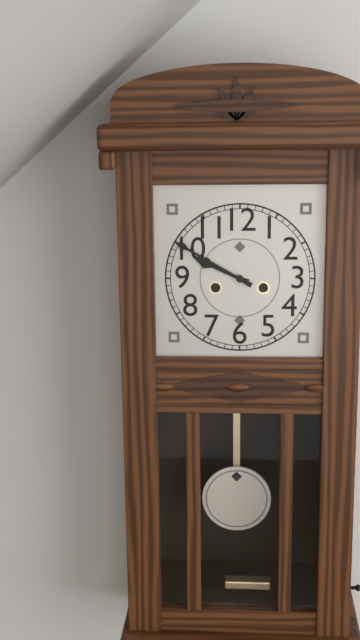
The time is 9,50
